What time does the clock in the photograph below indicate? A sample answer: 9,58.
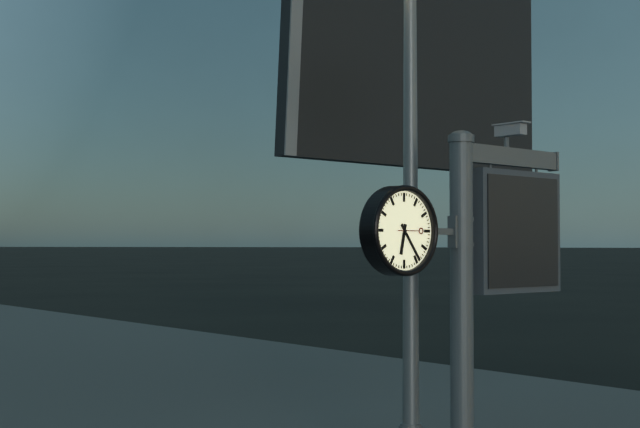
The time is 6,24
